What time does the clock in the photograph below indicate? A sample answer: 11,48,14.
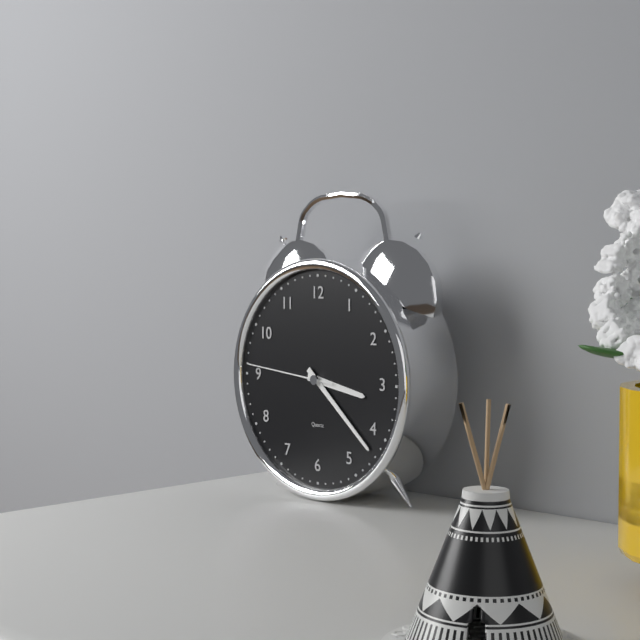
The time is 3,22,46
